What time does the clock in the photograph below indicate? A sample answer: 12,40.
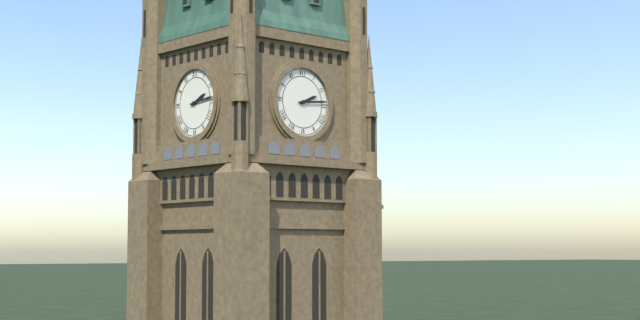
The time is 2,14
